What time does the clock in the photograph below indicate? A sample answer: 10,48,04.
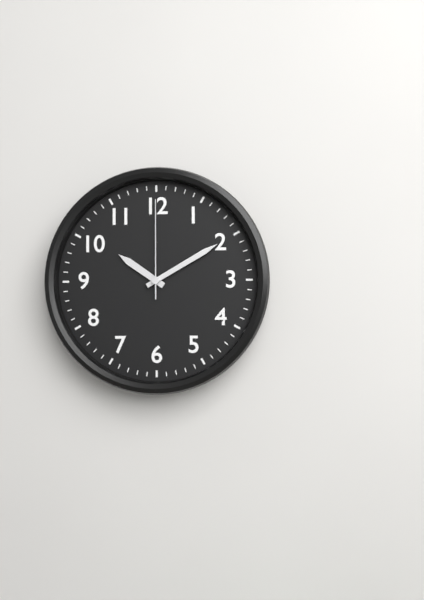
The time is 10,10,00
